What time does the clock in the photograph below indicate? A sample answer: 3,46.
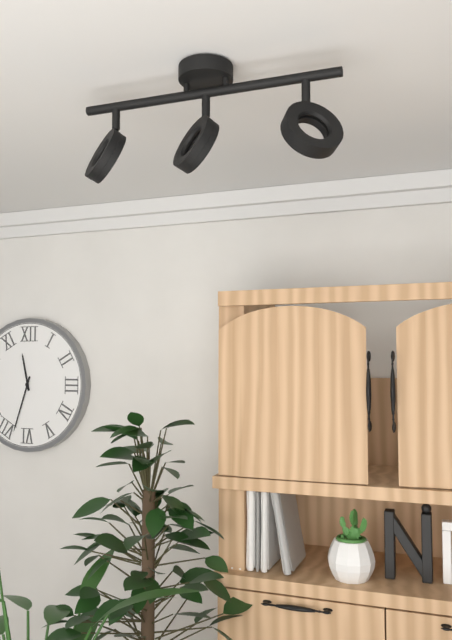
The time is 11,33
